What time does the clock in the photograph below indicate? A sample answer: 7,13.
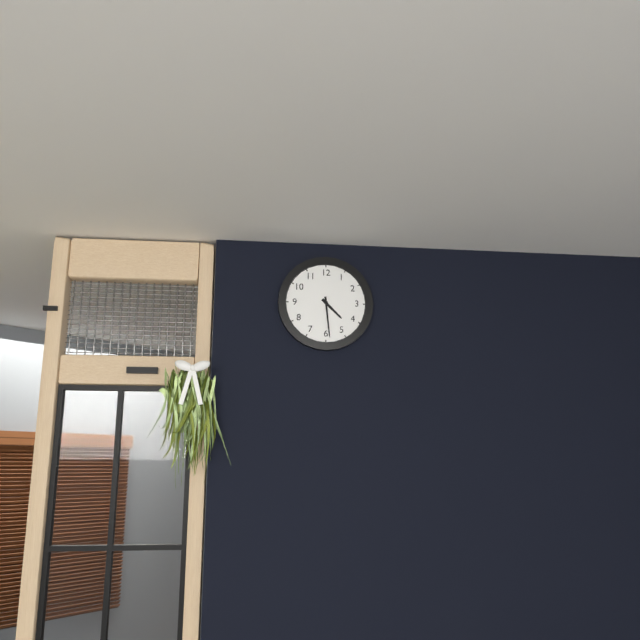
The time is 4,29
